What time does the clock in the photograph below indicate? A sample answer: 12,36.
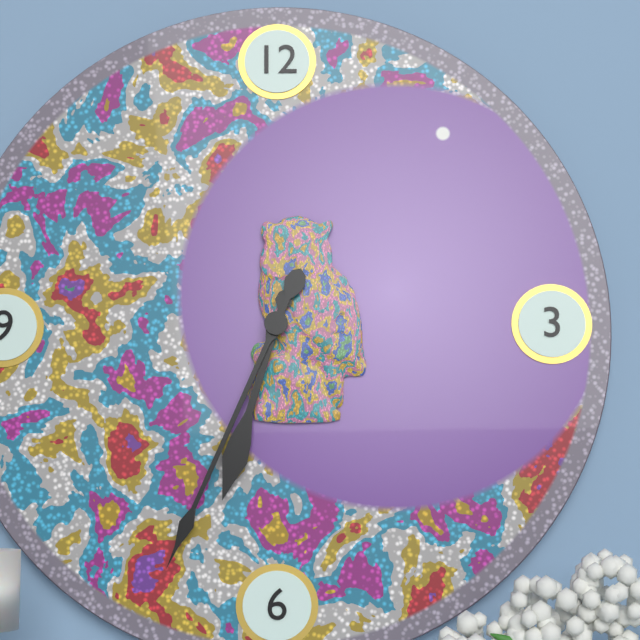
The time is 6,34
